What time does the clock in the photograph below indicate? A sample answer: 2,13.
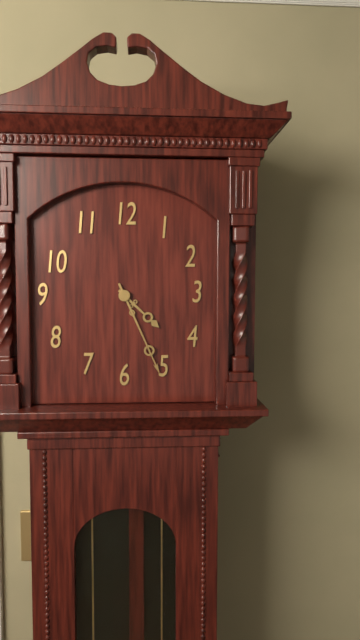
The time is 4,26
